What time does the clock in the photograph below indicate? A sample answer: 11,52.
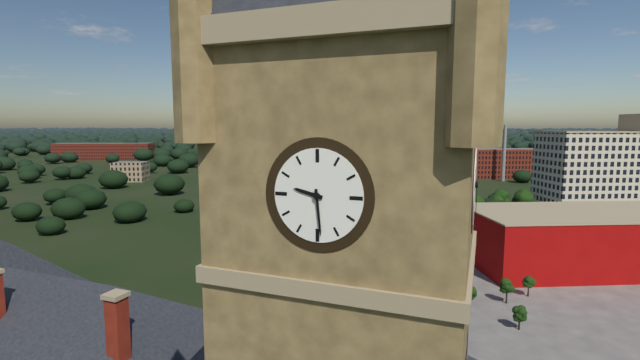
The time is 9,29
